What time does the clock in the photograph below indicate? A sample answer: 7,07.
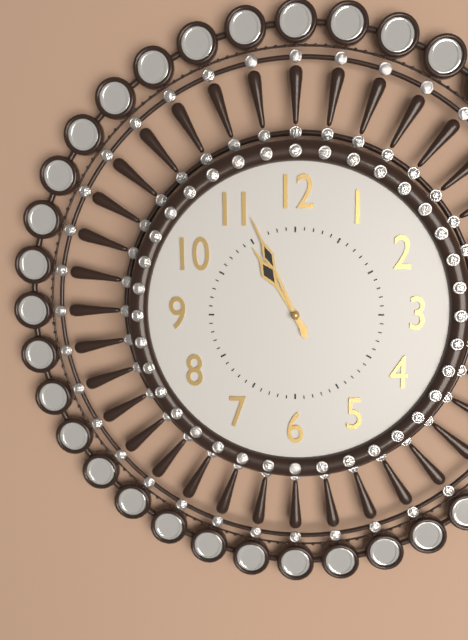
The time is 10,56
